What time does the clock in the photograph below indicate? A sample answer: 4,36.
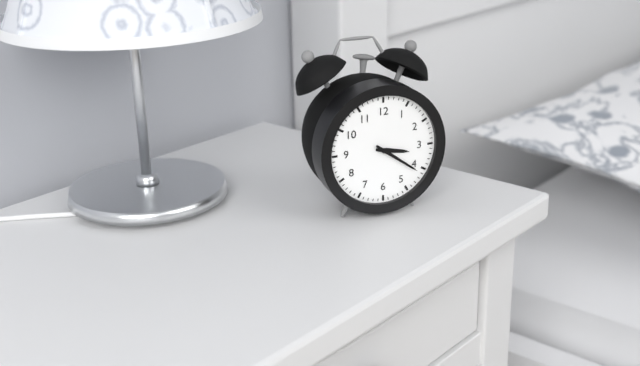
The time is 3,21
